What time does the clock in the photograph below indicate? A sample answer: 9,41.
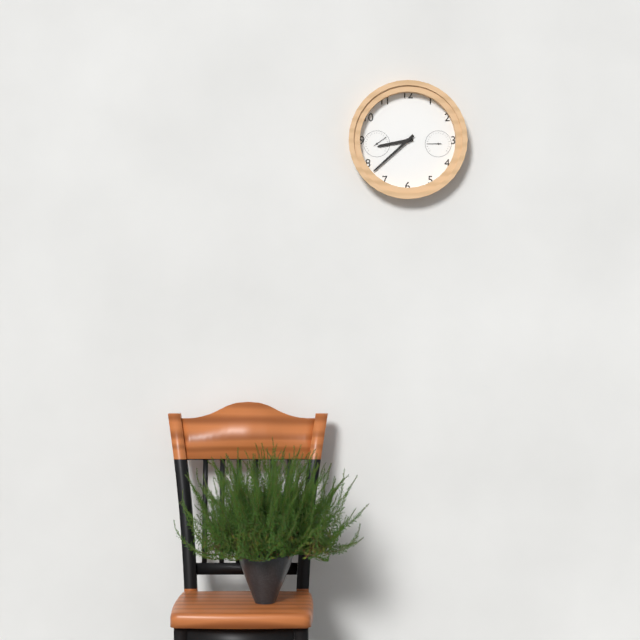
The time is 8,38
